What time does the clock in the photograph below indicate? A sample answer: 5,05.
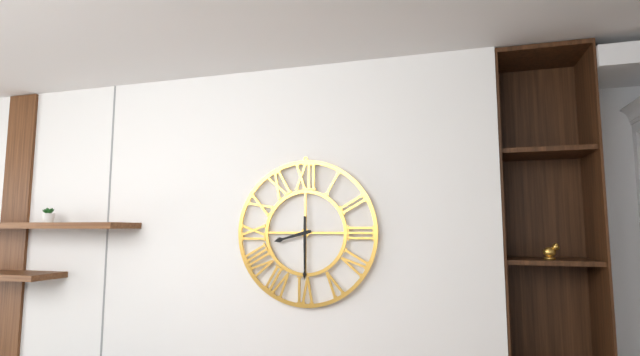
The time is 8,30
